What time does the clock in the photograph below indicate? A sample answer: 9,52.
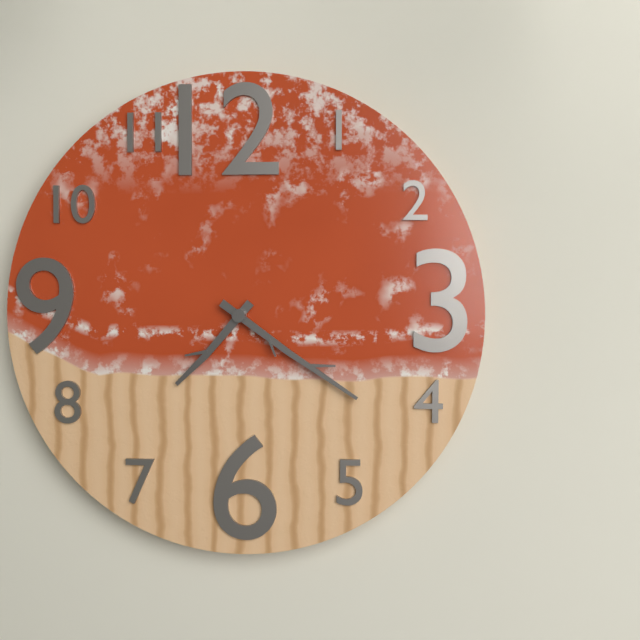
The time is 7,21
